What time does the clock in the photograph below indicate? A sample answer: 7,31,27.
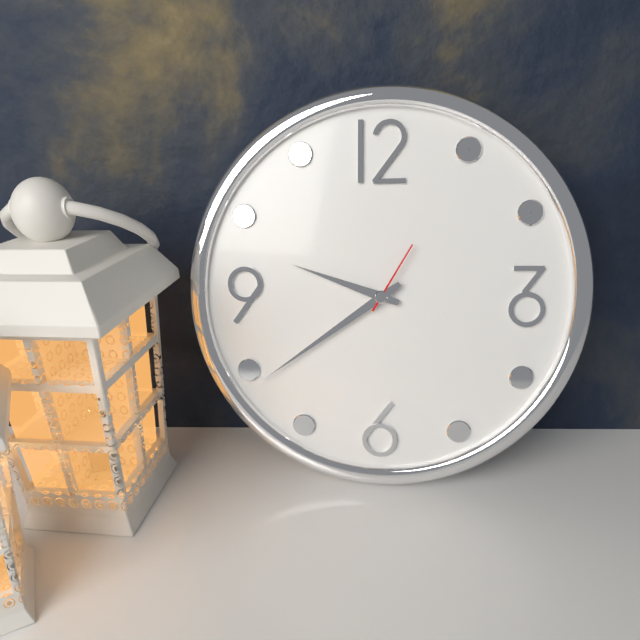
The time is 9,39,05
